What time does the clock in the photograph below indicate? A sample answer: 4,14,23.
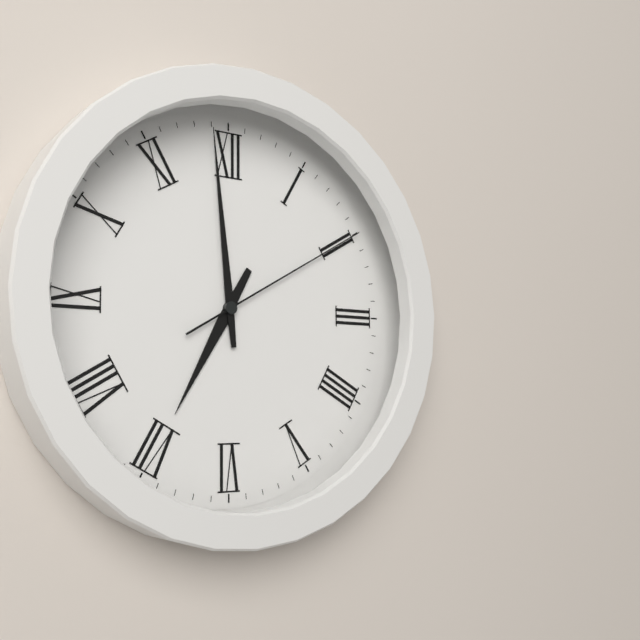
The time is 6,59,10
